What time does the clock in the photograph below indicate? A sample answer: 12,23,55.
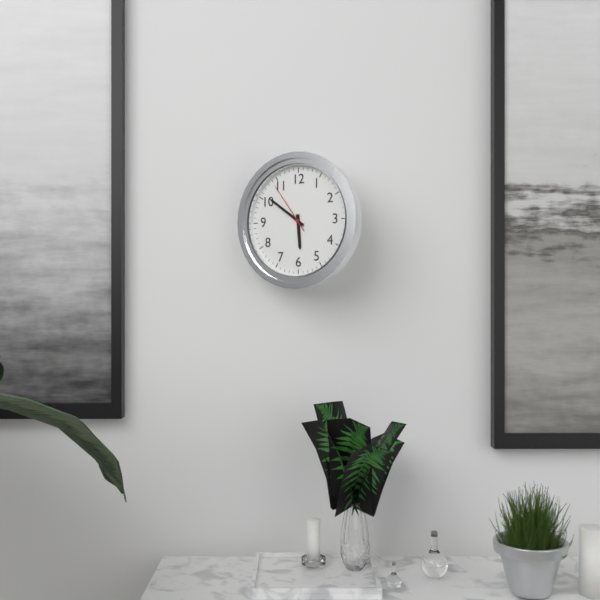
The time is 5,51,54
